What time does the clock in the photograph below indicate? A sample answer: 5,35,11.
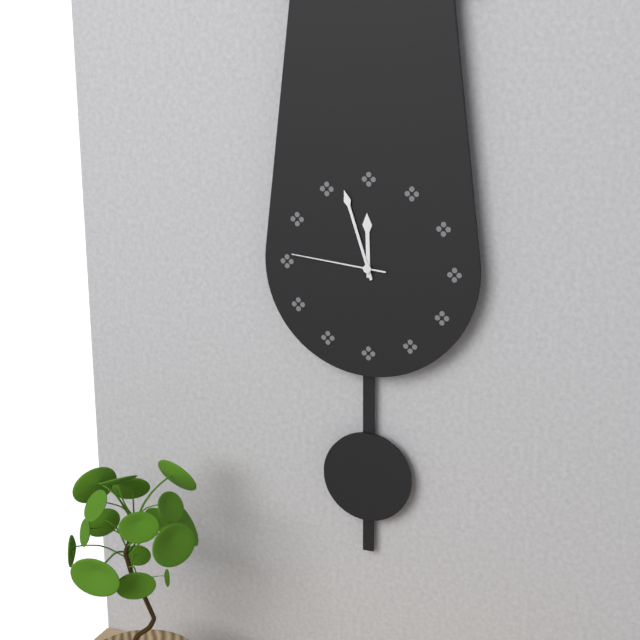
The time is 11,57,46
